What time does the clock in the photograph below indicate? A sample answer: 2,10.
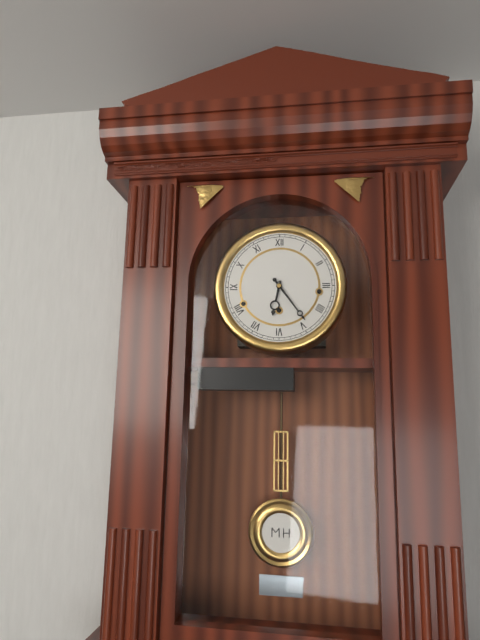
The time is 6,24
